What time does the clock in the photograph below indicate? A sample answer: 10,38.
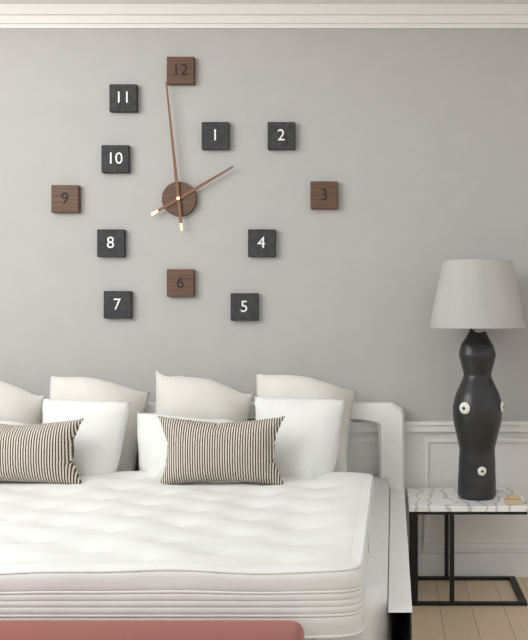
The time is 1,59
